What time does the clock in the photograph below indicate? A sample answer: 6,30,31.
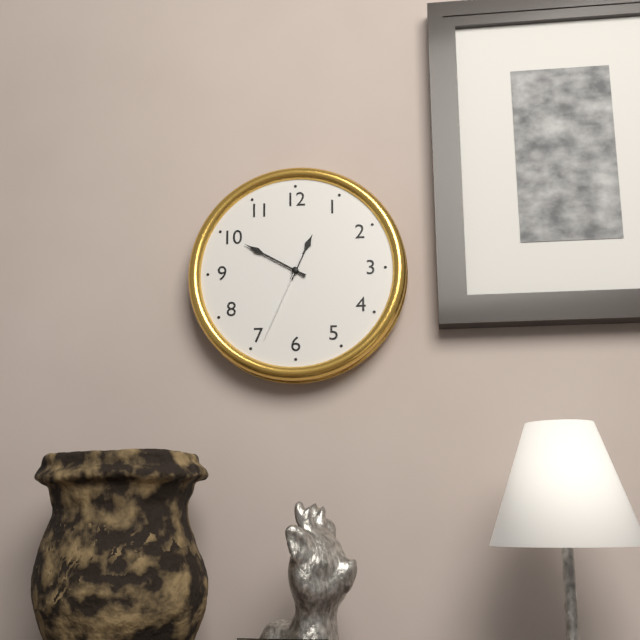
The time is 12,50,34
